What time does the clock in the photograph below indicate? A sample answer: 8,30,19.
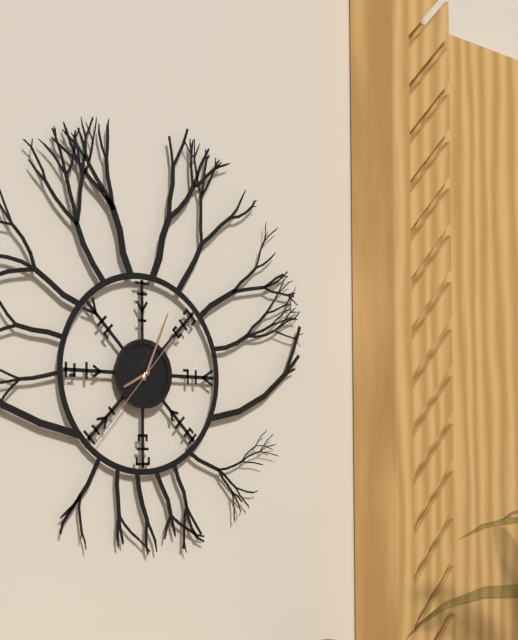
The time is 8,04,37
